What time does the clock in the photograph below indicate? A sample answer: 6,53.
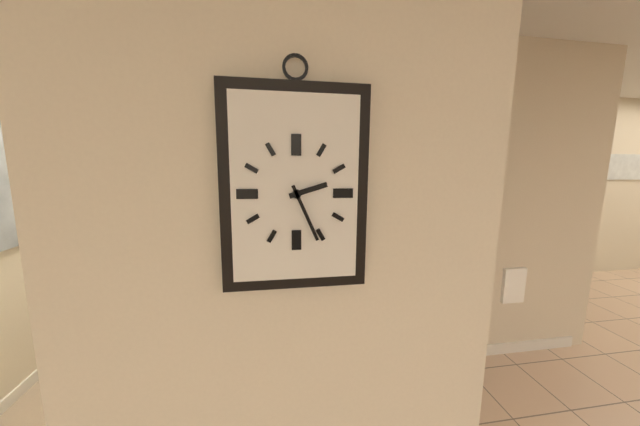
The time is 2,26
